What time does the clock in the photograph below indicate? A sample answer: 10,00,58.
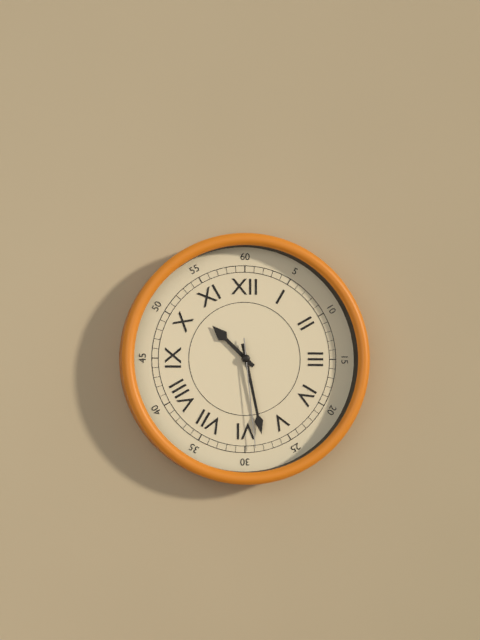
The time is 10,28,29
